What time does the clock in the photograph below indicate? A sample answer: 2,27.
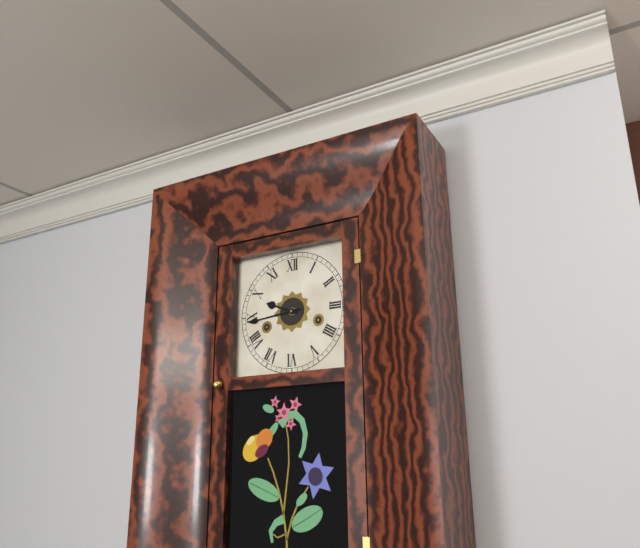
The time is 9,44
